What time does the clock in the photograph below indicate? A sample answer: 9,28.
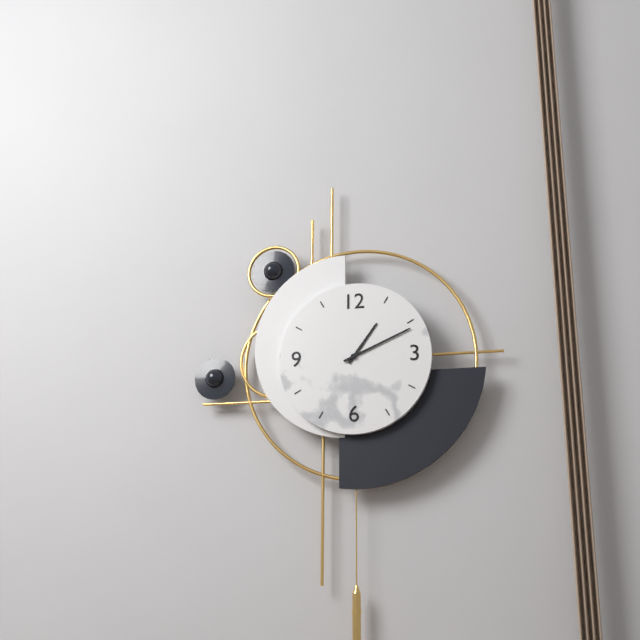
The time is 1,11
